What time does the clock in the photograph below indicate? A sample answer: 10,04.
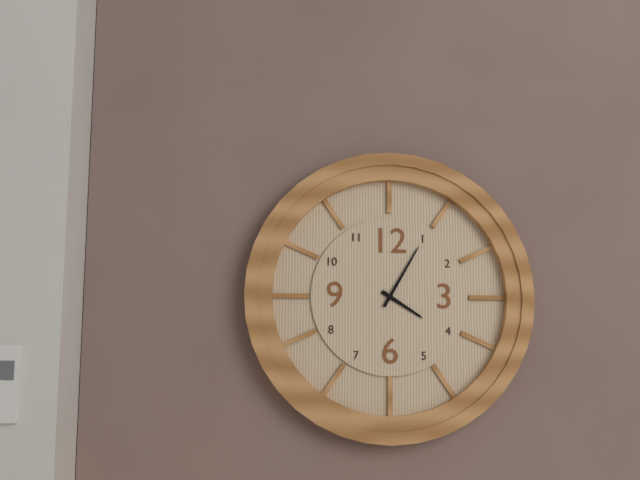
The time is 4,05
